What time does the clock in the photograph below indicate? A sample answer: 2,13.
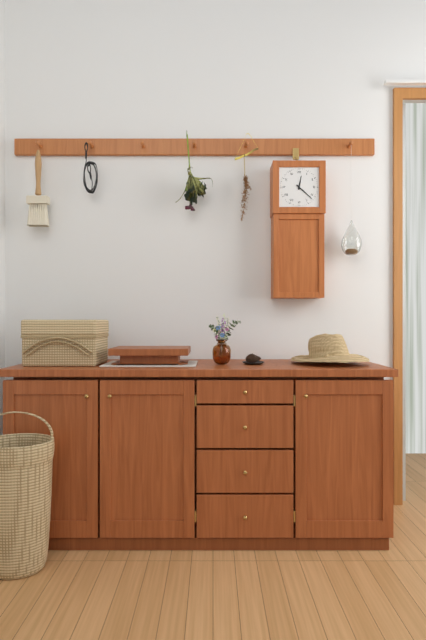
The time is 12,22
